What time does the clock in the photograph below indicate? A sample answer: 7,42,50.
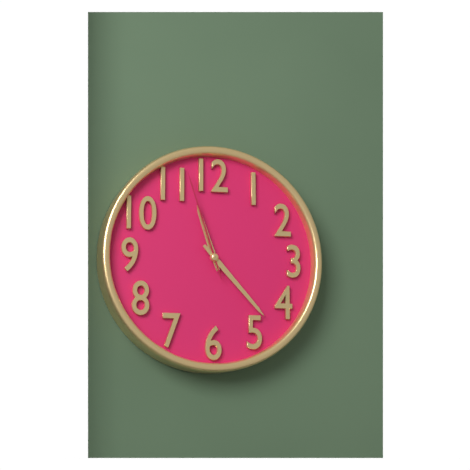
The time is 11,23,57
